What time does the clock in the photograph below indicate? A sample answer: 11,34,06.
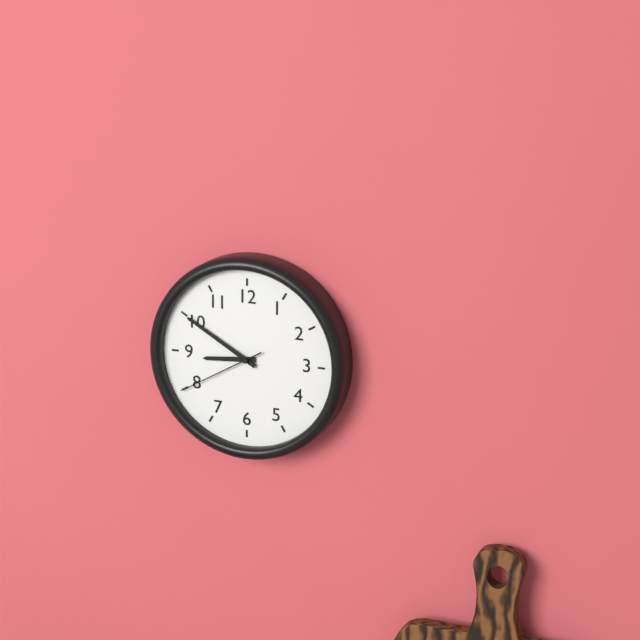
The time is 8,50,40
